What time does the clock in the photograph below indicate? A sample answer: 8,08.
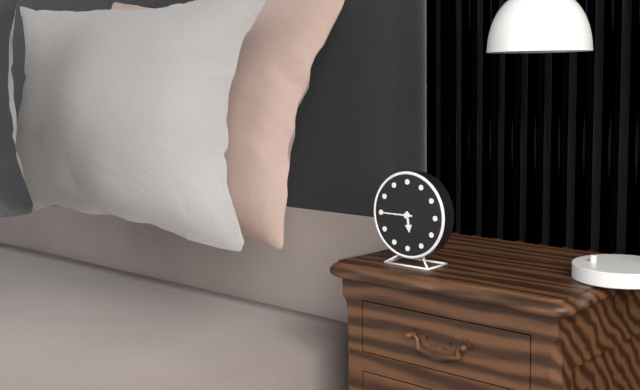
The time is 5,45
